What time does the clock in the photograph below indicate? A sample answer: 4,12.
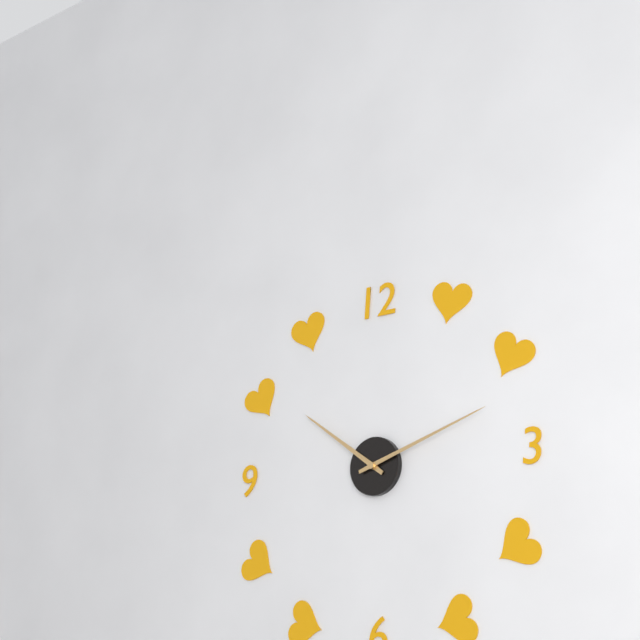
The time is 10,12
